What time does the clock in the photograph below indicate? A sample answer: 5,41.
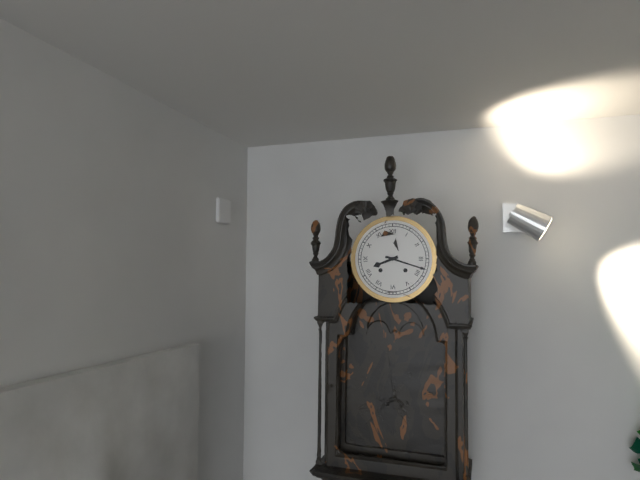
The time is 8,18
